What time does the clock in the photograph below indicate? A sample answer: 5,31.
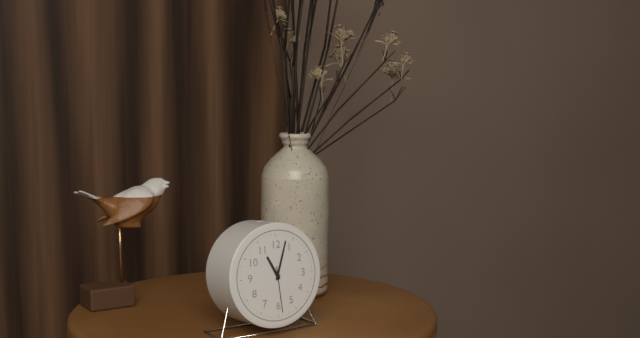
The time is 11,03
